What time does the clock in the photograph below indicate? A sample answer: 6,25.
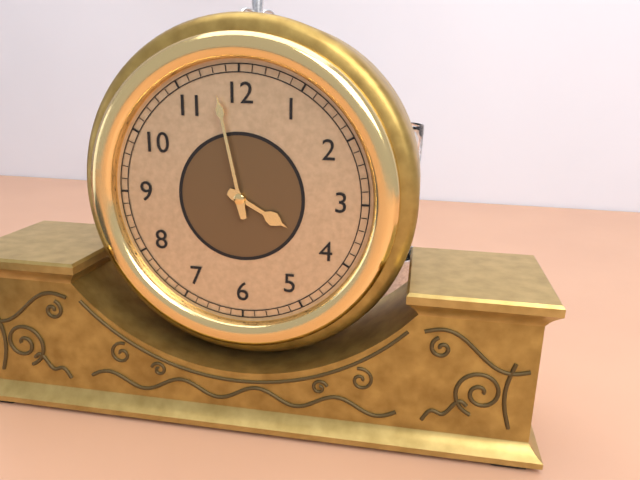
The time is 3,58
